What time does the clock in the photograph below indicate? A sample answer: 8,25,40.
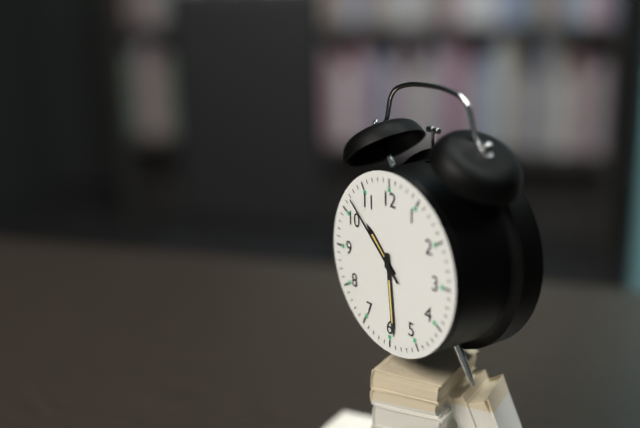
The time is 10,29,52
